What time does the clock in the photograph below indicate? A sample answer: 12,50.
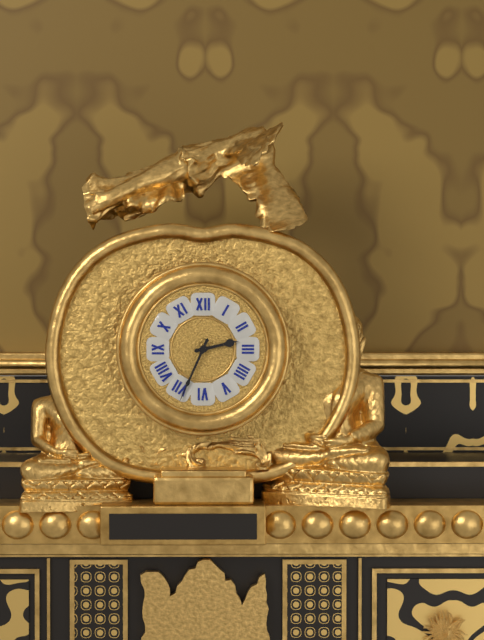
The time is 2,34
